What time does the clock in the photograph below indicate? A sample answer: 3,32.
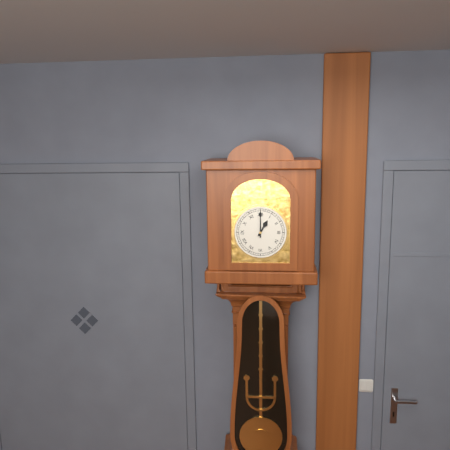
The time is 1,00
